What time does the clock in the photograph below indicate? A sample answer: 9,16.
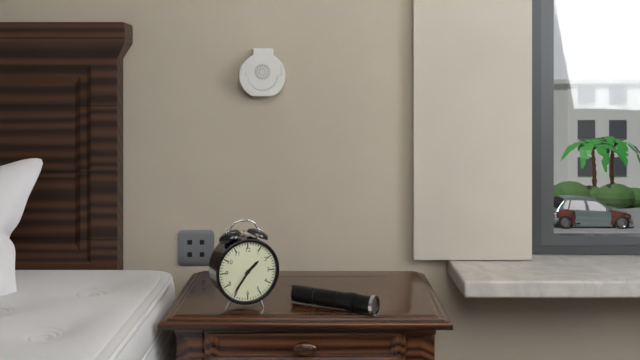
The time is 1,36
